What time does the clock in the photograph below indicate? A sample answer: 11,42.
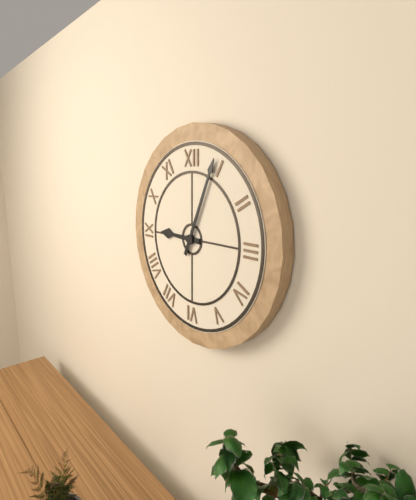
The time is 9,04
